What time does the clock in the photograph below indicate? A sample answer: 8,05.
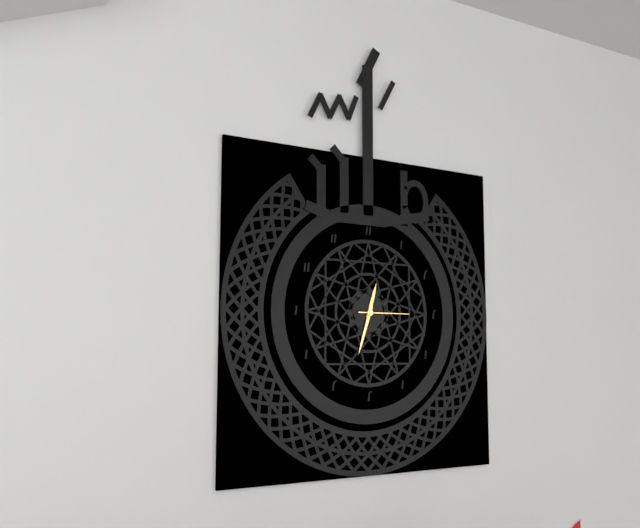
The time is 12,33
